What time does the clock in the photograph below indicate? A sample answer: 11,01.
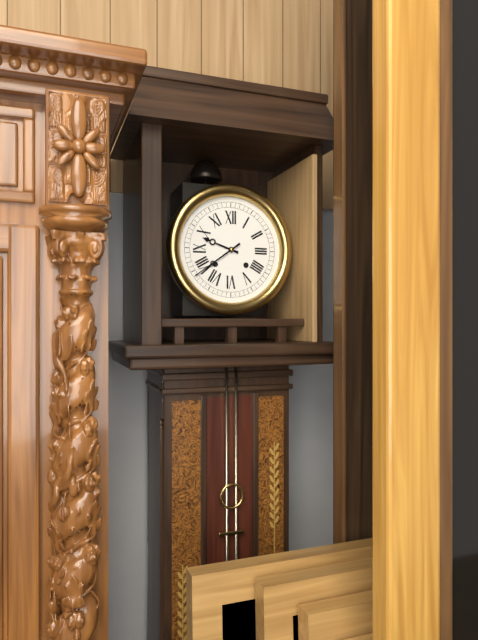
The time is 9,39
